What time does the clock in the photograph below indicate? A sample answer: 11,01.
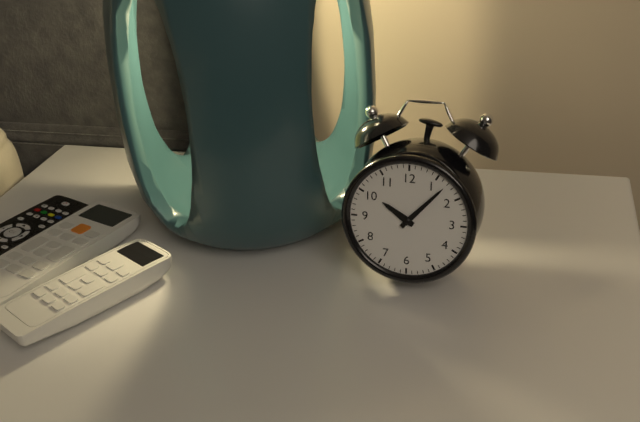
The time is 10,07
